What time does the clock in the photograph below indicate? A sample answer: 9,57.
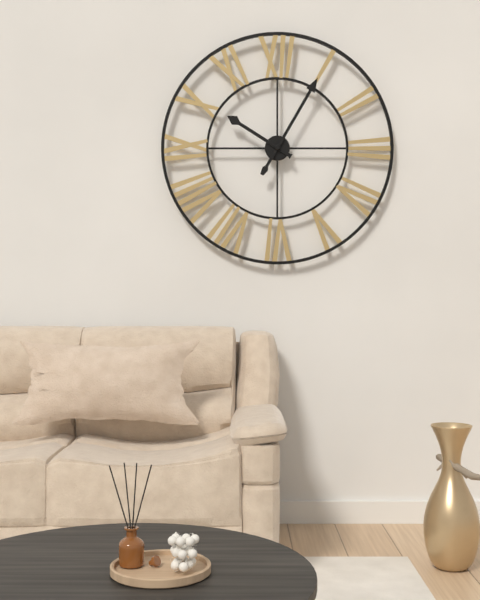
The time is 10,05
